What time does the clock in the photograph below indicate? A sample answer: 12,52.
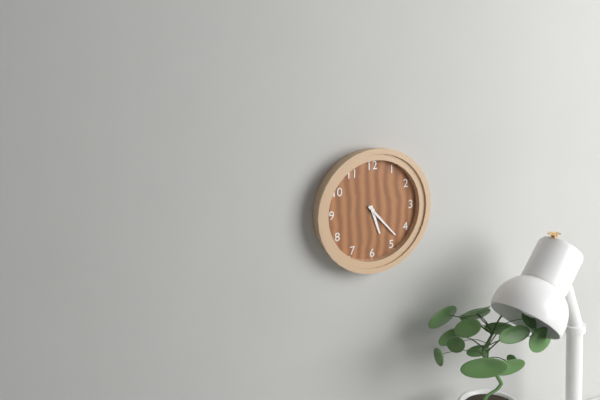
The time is 5,23
